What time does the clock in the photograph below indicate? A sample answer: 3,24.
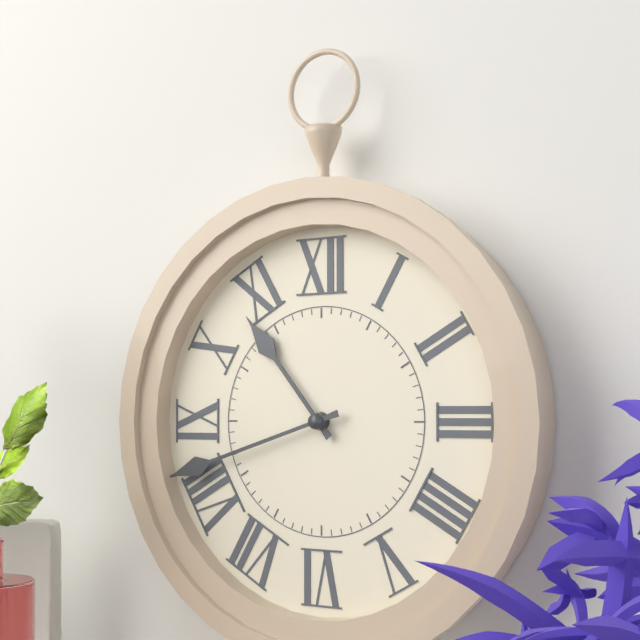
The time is 10,42
